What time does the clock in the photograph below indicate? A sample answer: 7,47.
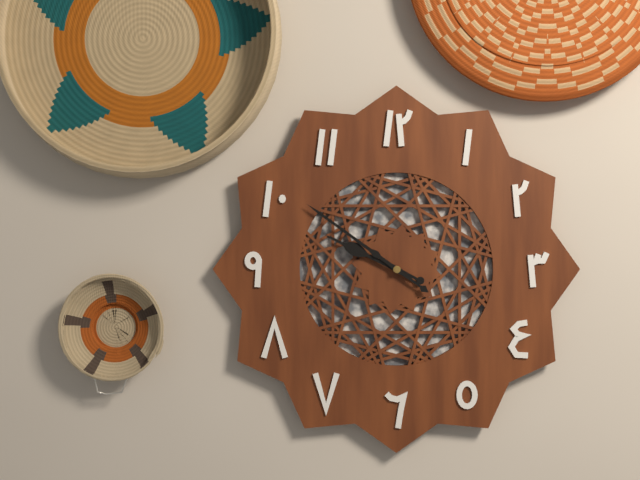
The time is 9,51
